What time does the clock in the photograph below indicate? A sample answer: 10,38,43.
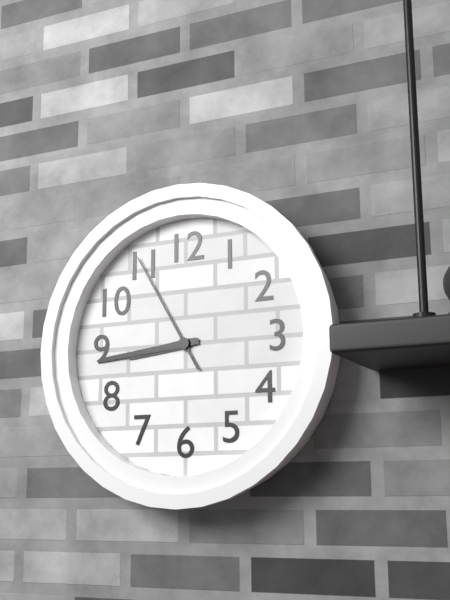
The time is 8,44,55
